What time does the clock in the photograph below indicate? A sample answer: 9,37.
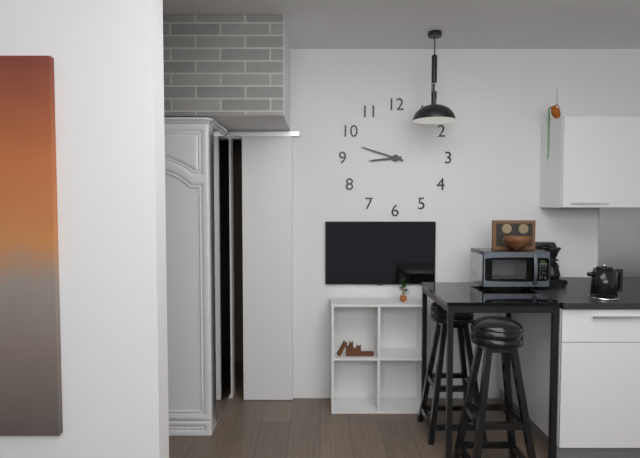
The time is 8,48
